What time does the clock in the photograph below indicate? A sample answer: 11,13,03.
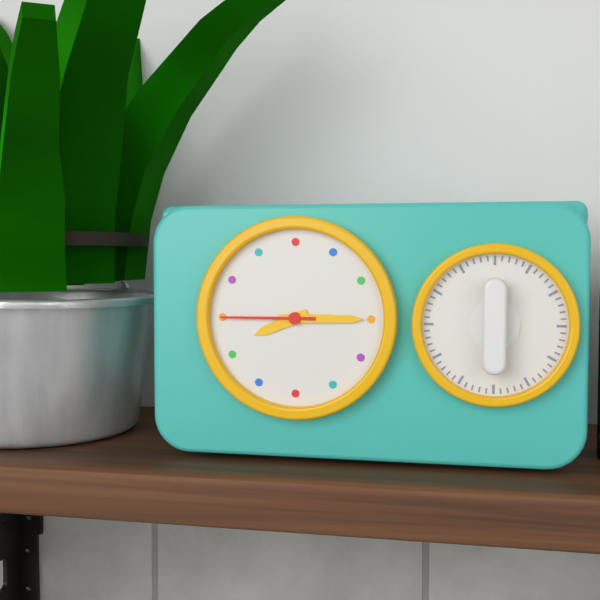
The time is 8,15,45
